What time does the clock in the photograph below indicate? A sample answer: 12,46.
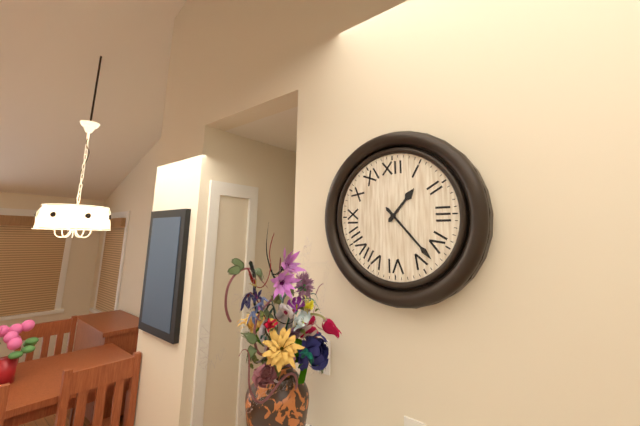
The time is 1,23
